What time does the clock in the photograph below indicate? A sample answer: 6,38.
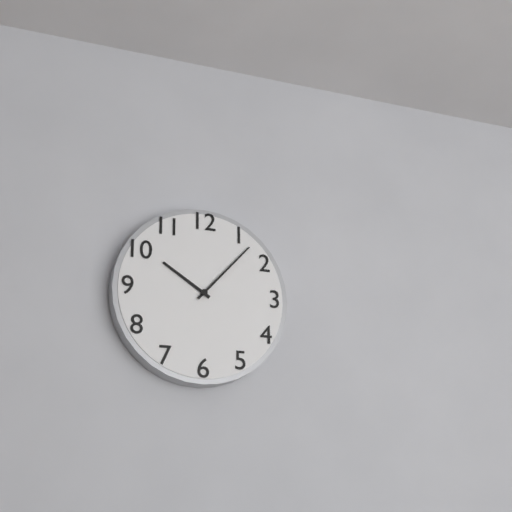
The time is 10,07
